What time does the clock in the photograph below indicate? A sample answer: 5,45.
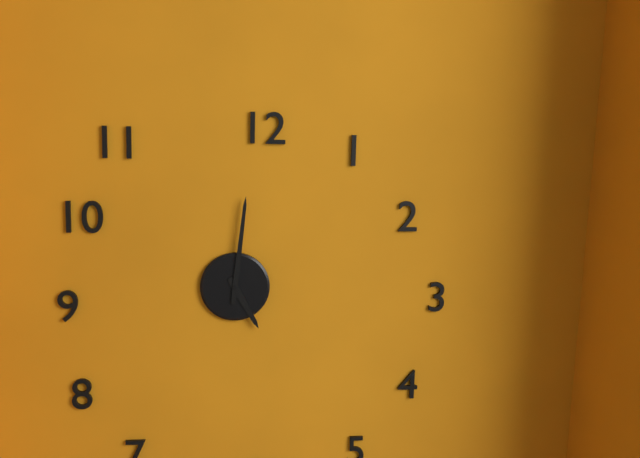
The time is 5,01
